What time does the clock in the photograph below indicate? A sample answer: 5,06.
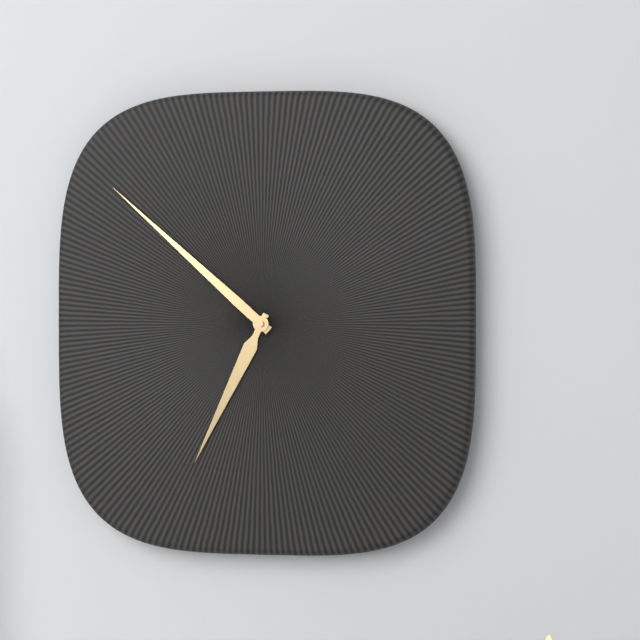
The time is 6,52
